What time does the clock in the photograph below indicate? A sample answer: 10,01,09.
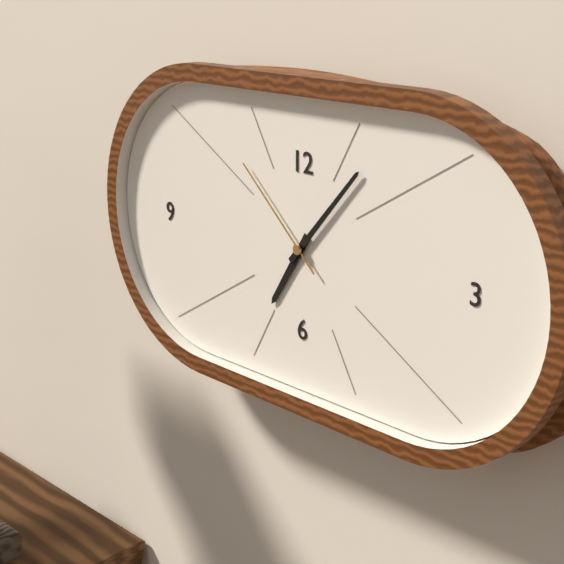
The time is 7,07,52
